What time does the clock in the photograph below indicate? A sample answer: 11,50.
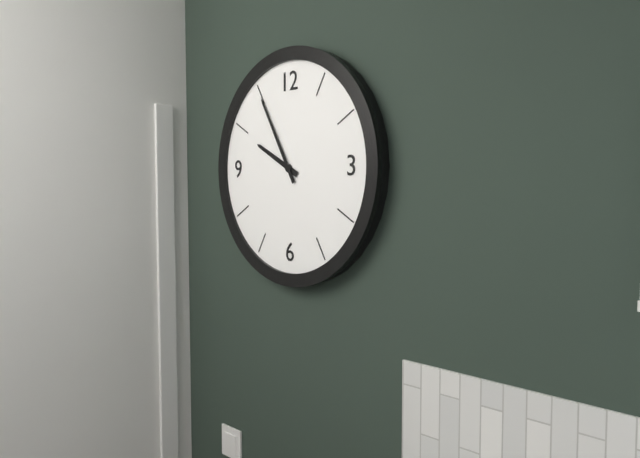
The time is 9,55
